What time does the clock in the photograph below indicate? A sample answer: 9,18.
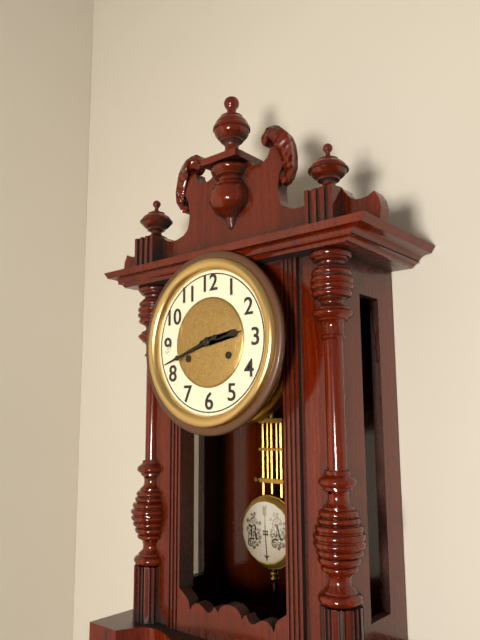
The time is 2,42
